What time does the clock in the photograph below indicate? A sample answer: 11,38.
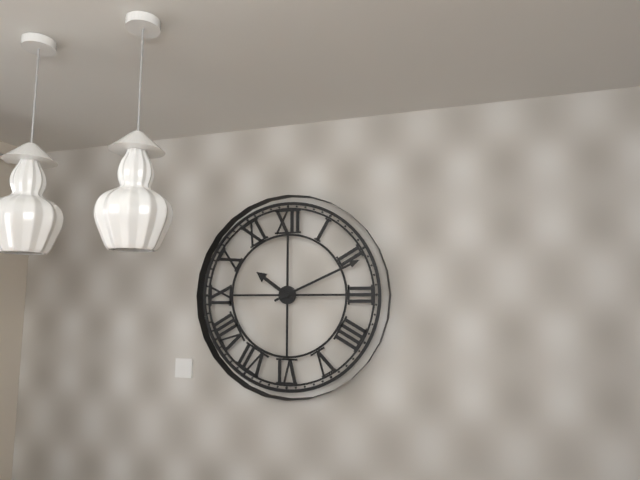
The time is 10,11
